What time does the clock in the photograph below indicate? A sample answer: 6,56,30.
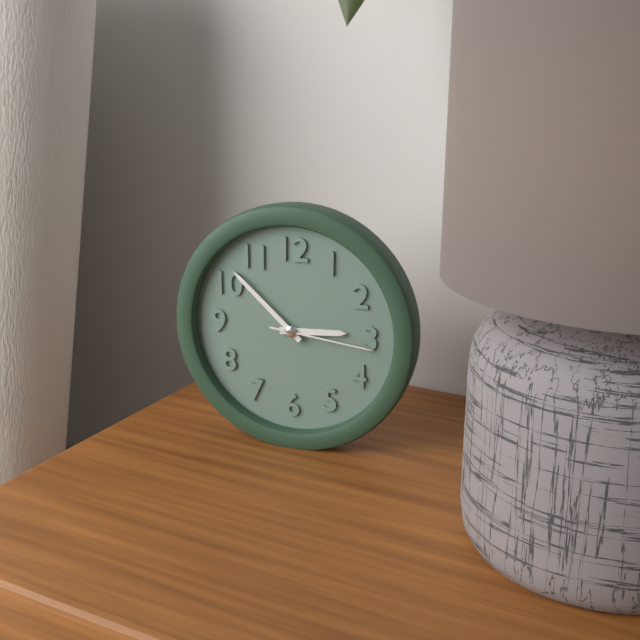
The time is 2,52,16
